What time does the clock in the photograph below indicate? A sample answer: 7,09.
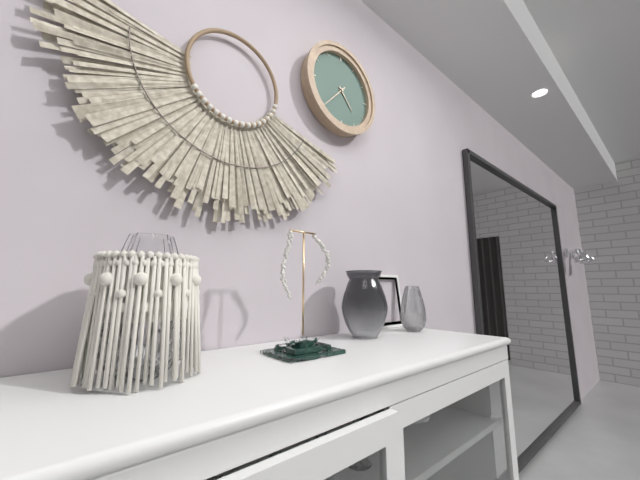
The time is 4,37
